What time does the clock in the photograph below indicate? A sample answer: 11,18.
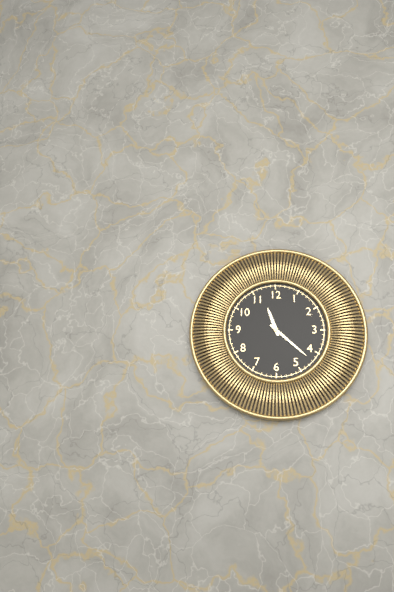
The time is 11,22
